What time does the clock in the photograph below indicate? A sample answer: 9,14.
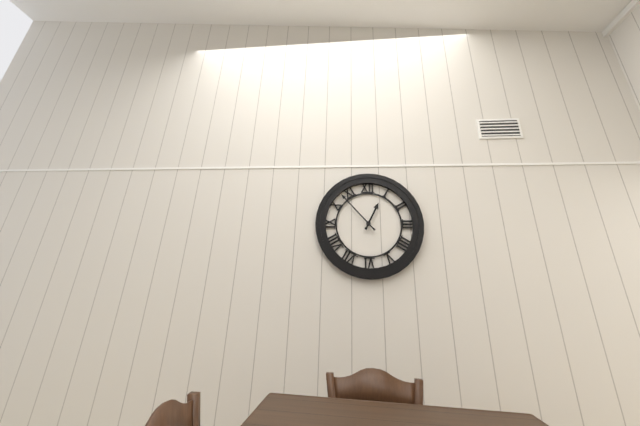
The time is 12,53
